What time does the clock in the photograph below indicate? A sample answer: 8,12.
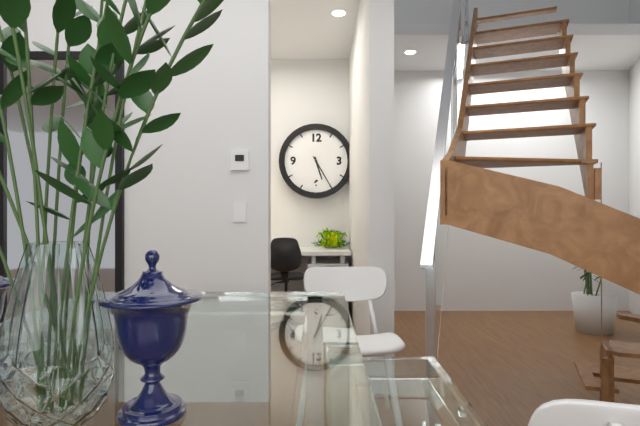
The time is 5,25
